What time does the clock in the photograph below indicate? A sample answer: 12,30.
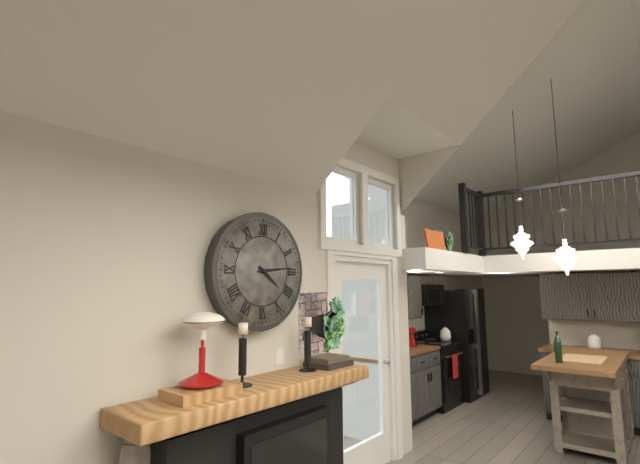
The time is 4,14
